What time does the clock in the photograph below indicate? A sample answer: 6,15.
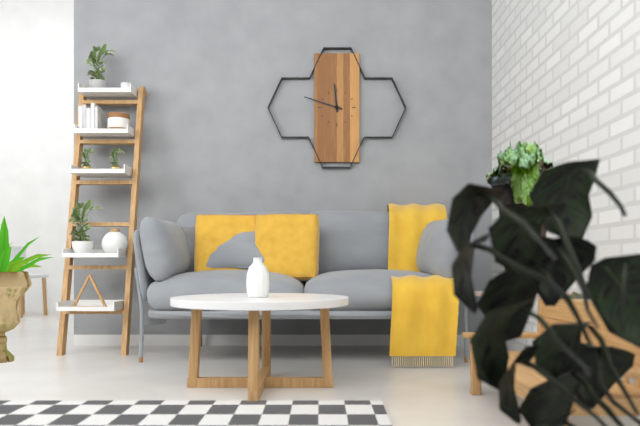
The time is 11,48
